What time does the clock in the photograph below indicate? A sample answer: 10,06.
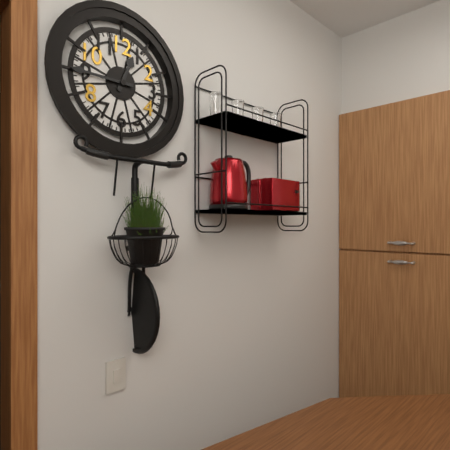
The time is 12,45
